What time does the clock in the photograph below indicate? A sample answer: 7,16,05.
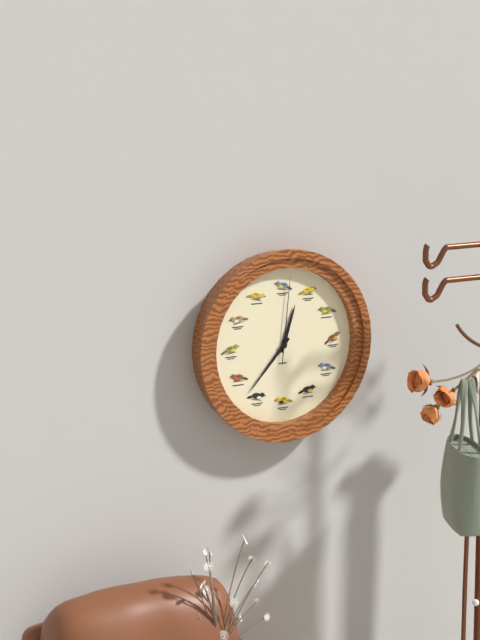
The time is 12,37,01
